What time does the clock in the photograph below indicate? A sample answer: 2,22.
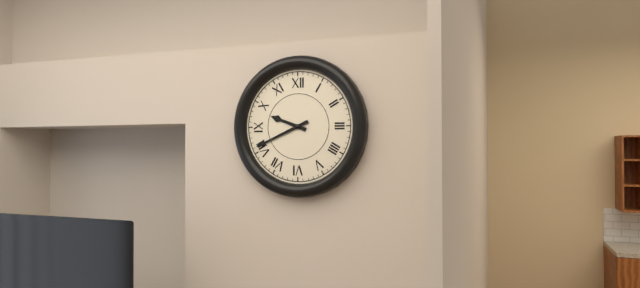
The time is 9,41
